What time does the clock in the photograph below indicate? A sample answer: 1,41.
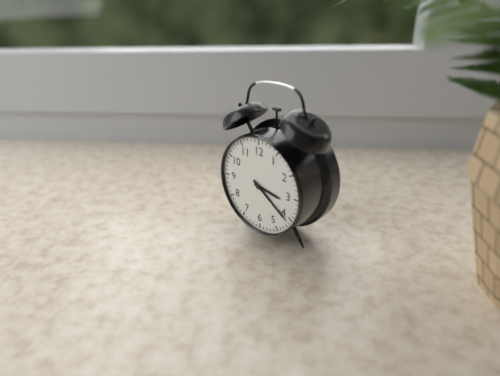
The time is 3,21
